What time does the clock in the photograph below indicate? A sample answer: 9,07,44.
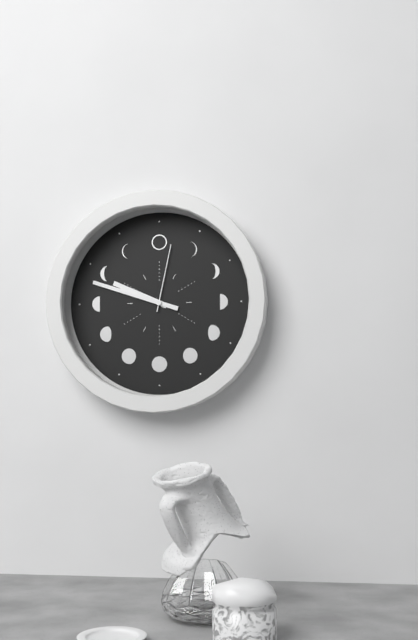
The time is 9,48,02
